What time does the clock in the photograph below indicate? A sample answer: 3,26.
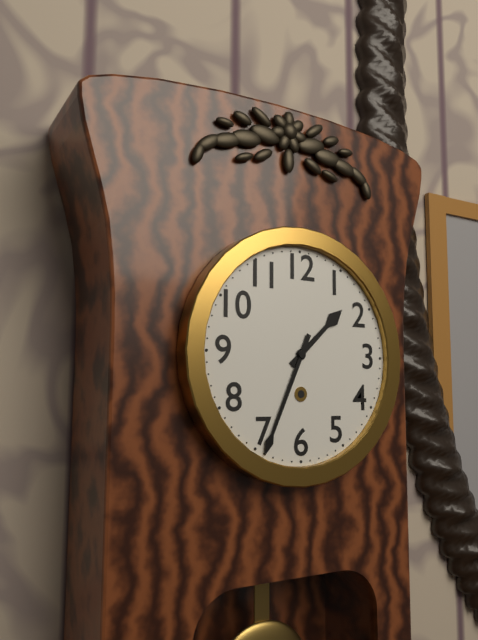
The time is 1,34
